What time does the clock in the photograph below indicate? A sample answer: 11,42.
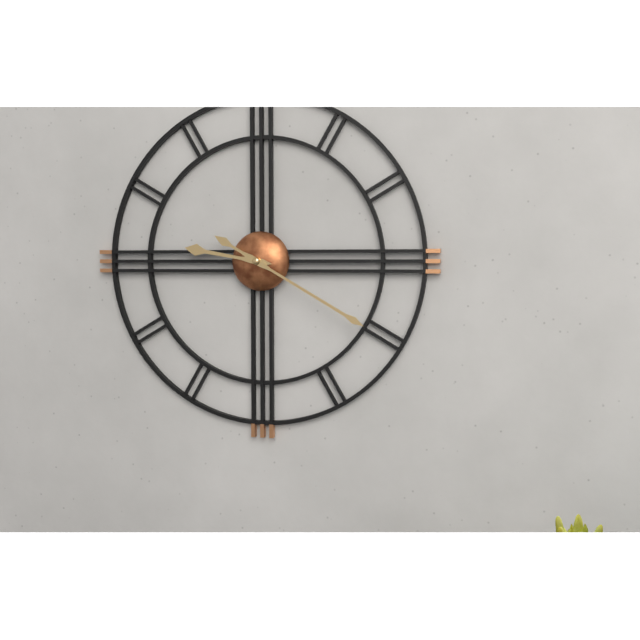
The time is 9,20
